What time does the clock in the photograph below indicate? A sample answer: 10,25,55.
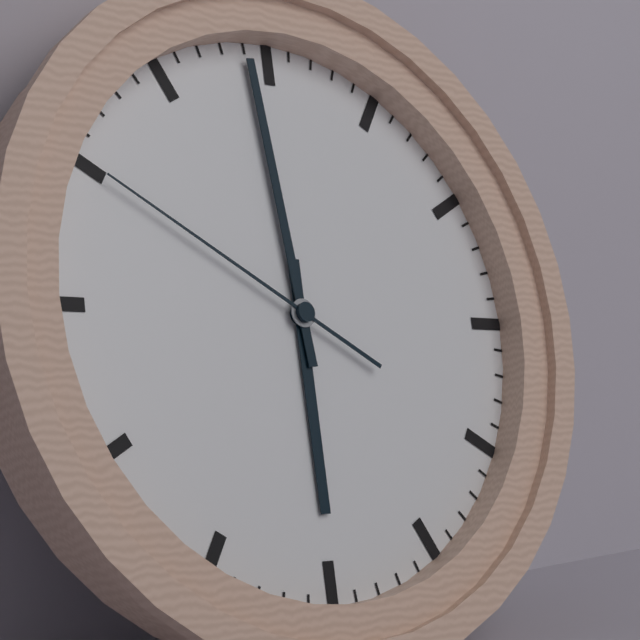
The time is 5,59,50
